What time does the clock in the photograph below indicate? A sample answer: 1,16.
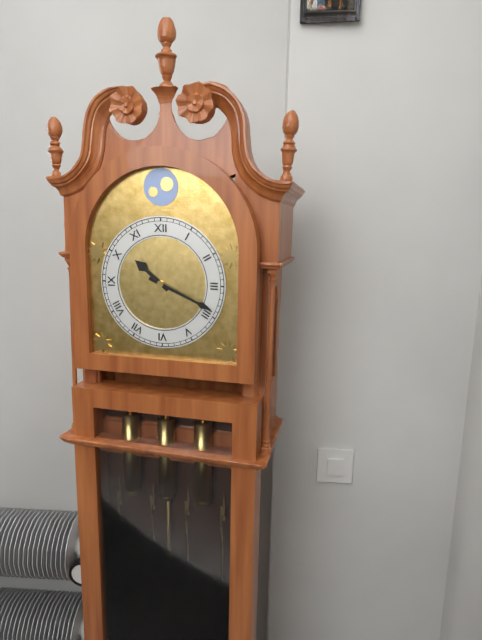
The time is 10,19
